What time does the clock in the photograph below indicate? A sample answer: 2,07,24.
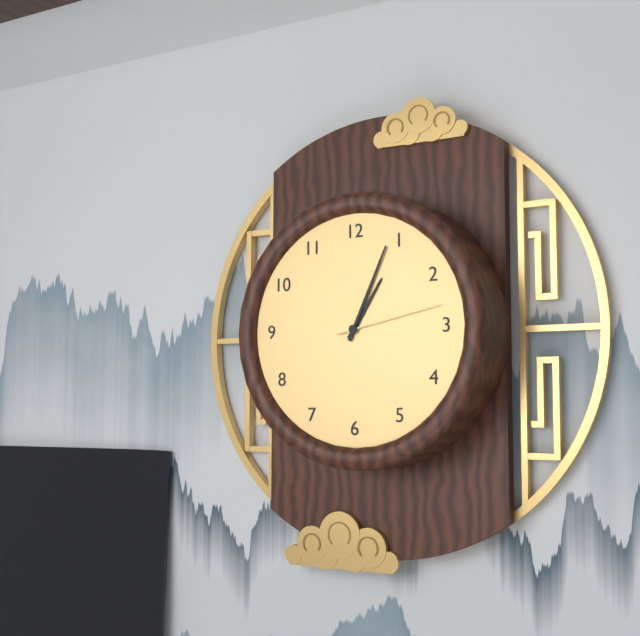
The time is 1,04,13
